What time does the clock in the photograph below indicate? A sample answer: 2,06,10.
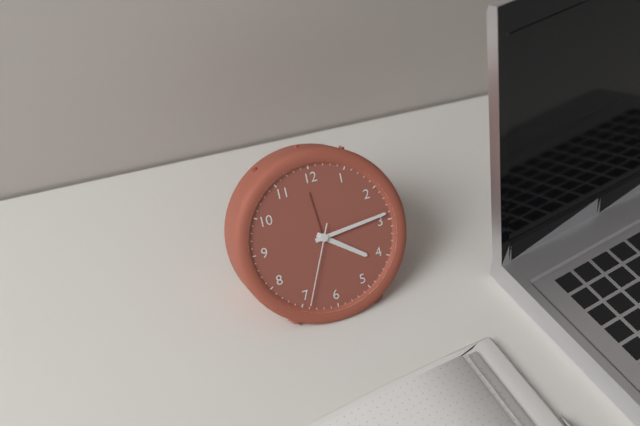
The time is 4,14,34
